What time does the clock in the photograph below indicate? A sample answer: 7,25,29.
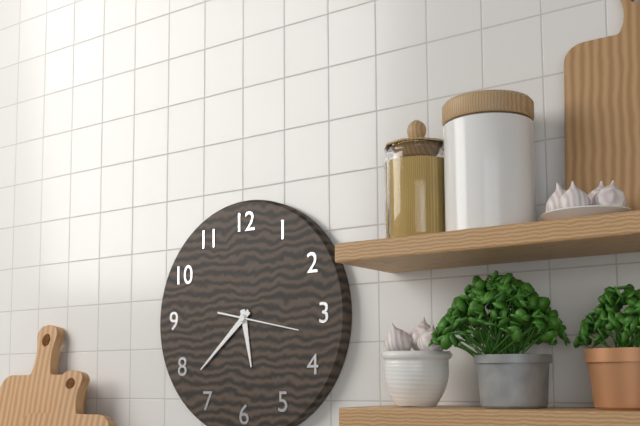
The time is 5,38,17
